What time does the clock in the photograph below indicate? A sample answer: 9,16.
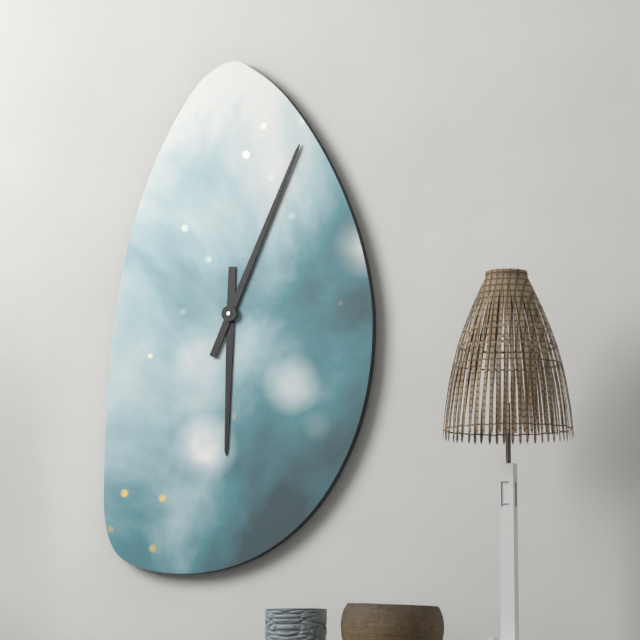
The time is 6,04
